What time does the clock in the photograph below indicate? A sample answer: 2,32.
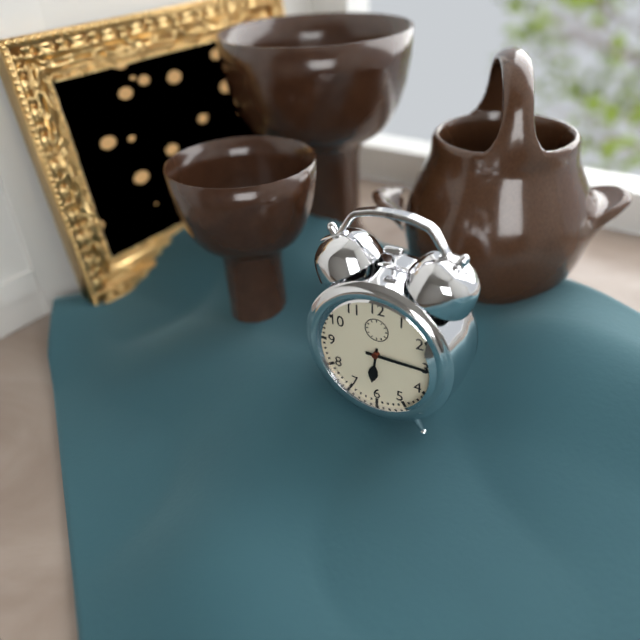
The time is 6,15
